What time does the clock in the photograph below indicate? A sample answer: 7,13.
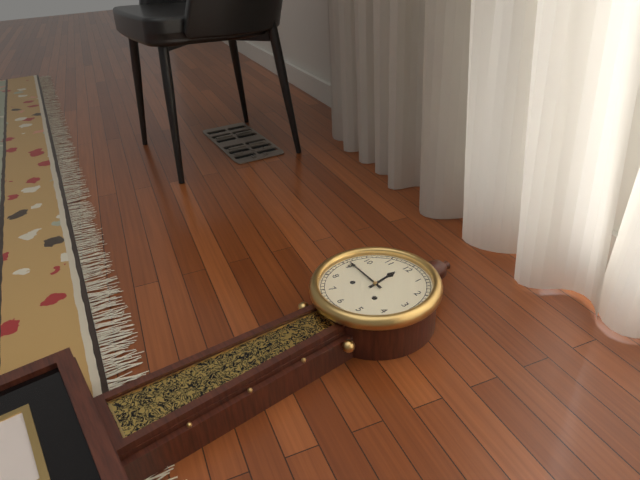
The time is 11,46
